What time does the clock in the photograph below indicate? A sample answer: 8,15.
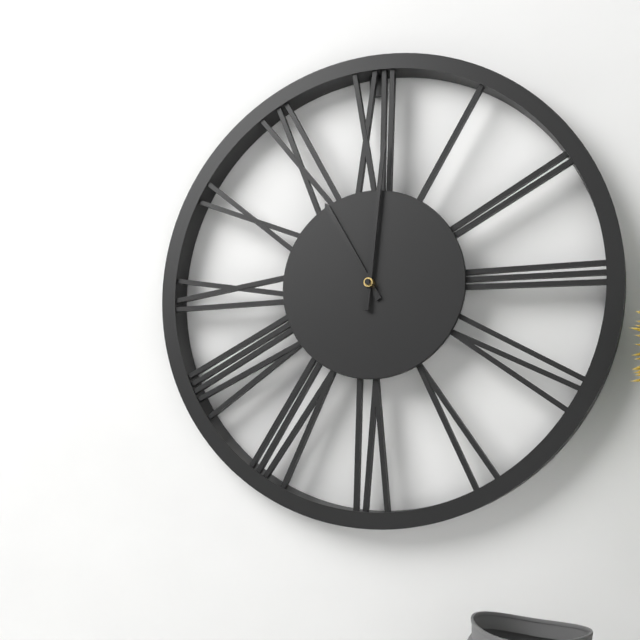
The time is 11,01
